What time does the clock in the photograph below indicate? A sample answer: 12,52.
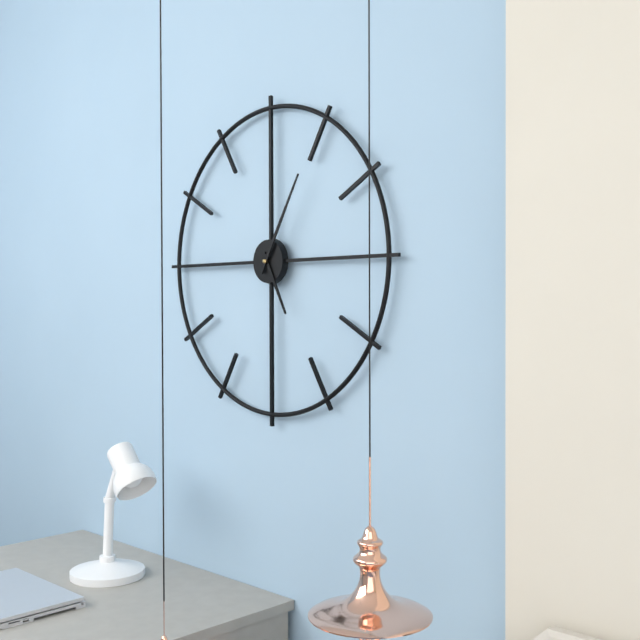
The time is 5,05
